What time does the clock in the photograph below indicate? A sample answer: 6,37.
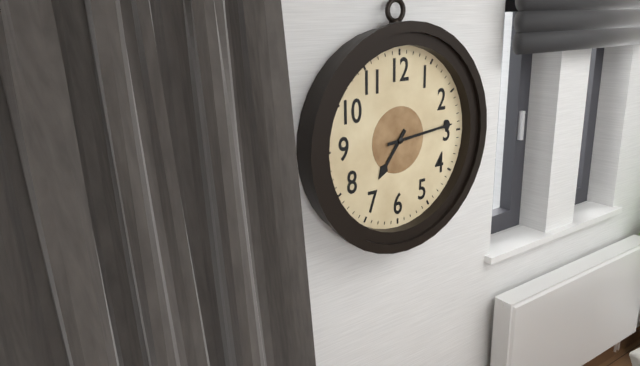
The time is 7,14
